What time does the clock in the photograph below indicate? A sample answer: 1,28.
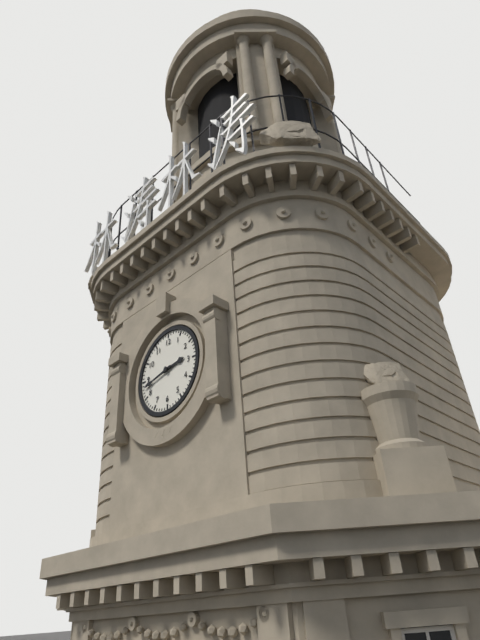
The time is 2,43
